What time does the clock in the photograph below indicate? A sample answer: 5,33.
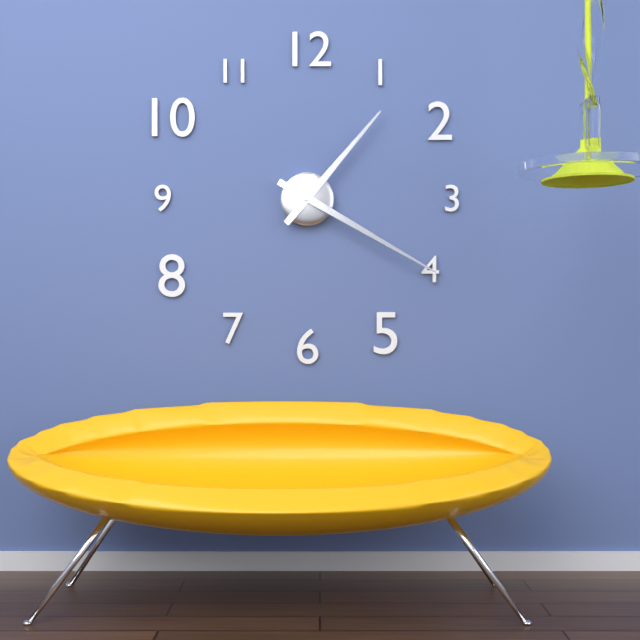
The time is 1,20
